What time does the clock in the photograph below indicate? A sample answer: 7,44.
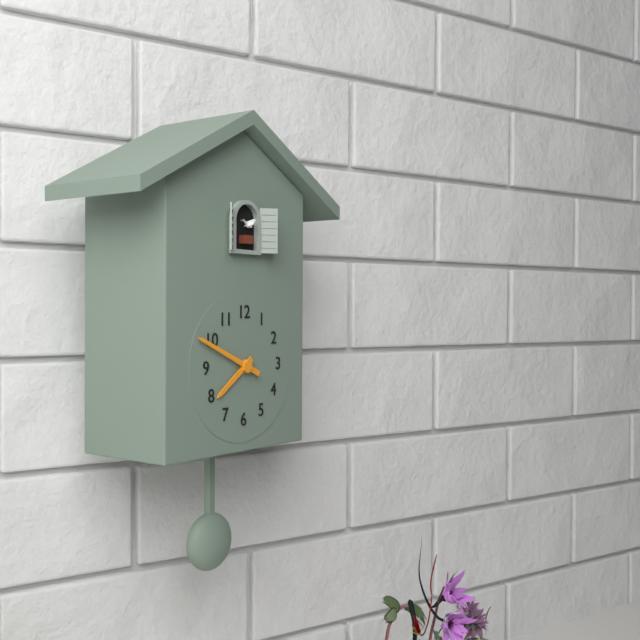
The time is 7,49
